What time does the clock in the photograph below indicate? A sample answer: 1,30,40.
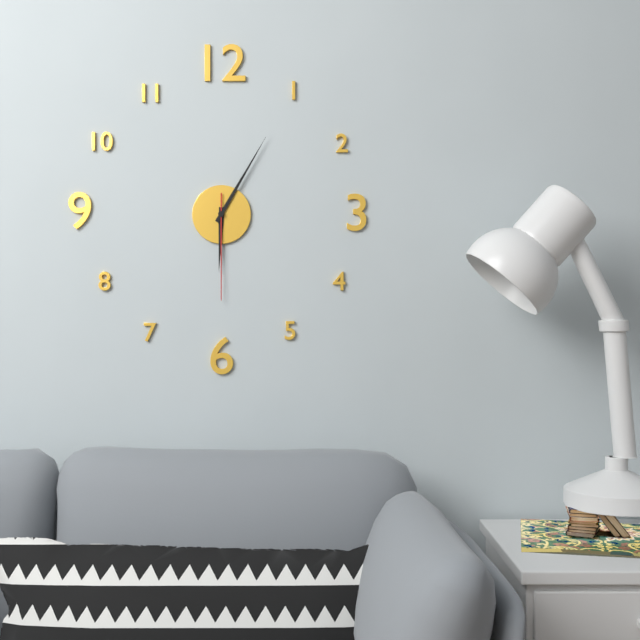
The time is 6,05,30
